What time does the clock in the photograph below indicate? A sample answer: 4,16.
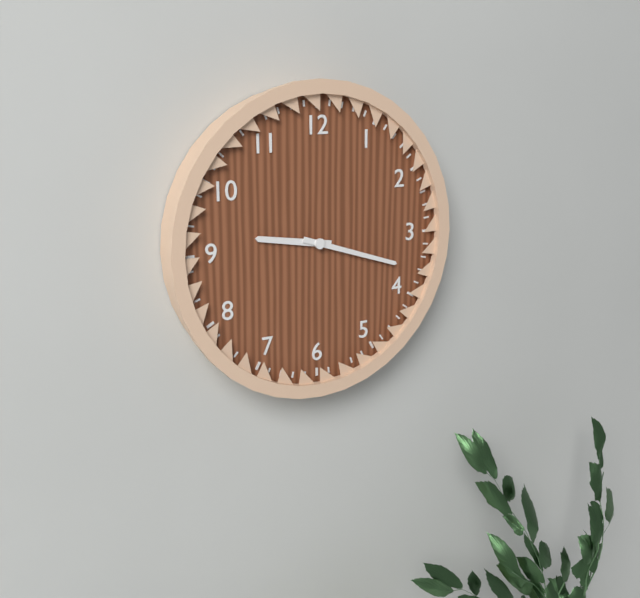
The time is 9,18
